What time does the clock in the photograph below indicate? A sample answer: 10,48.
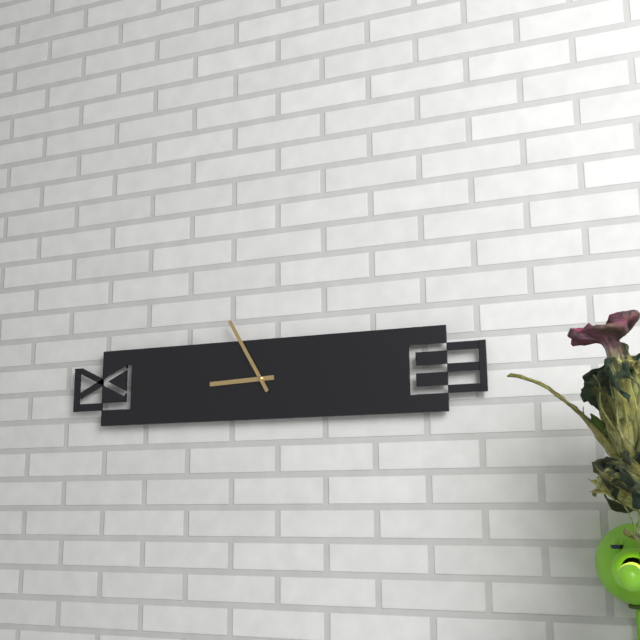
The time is 8,55
